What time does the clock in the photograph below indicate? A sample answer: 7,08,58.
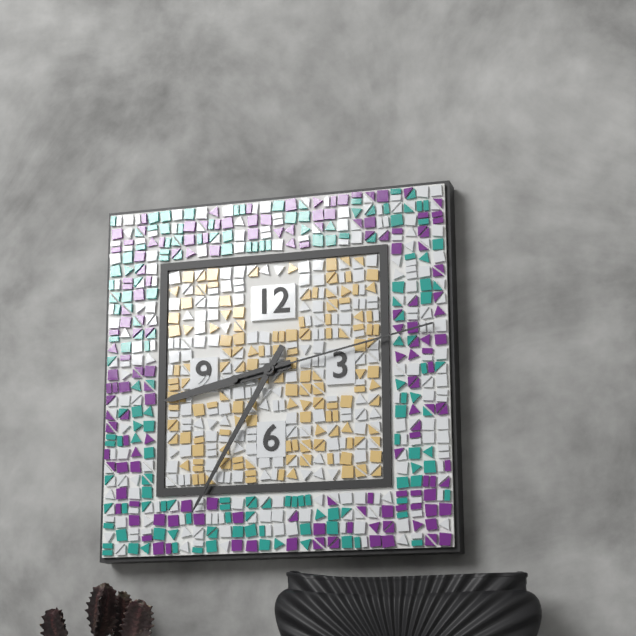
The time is 8,35,13
